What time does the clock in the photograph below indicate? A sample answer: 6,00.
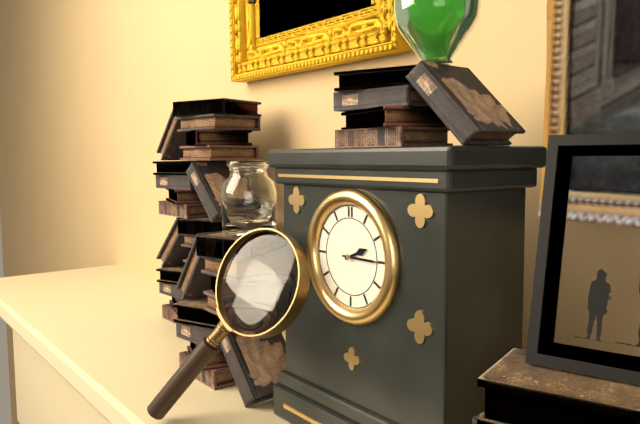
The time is 2,15
